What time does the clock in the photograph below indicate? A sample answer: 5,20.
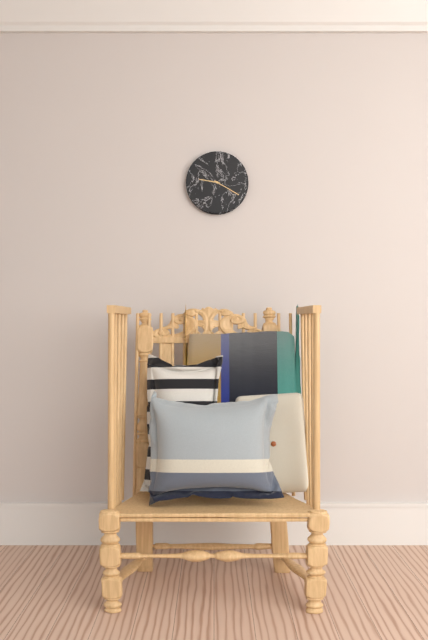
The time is 9,20
